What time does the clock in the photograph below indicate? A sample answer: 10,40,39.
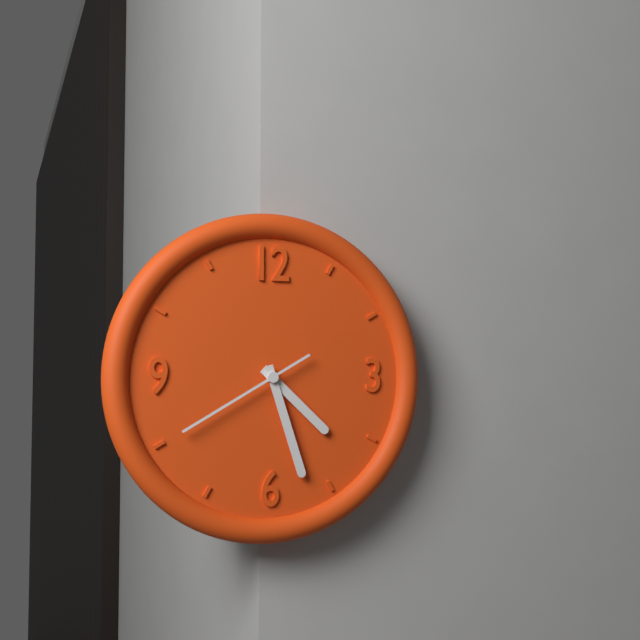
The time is 4,27,40
